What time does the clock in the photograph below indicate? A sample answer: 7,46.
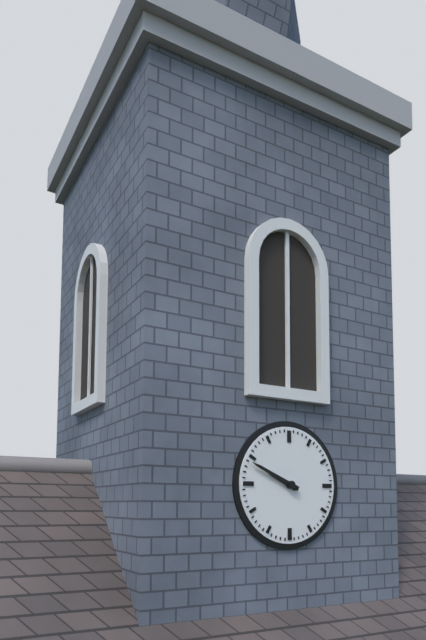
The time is 9,49
